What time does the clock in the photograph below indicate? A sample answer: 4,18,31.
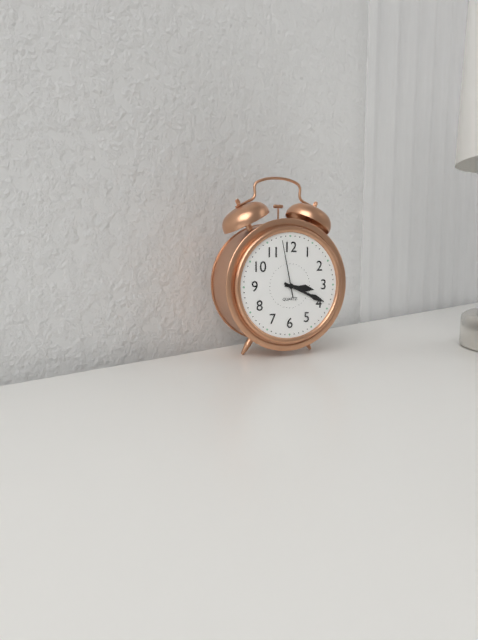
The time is 3,19,58
